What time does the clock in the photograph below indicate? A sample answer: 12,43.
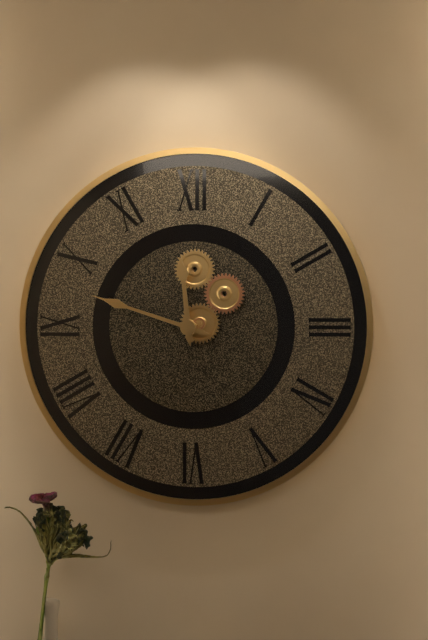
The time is 11,48
